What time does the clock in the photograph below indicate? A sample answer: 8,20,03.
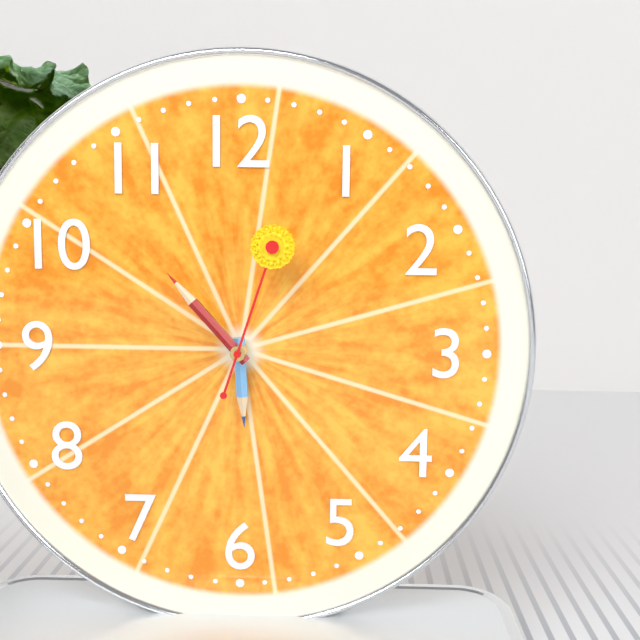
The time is 5,53,03
